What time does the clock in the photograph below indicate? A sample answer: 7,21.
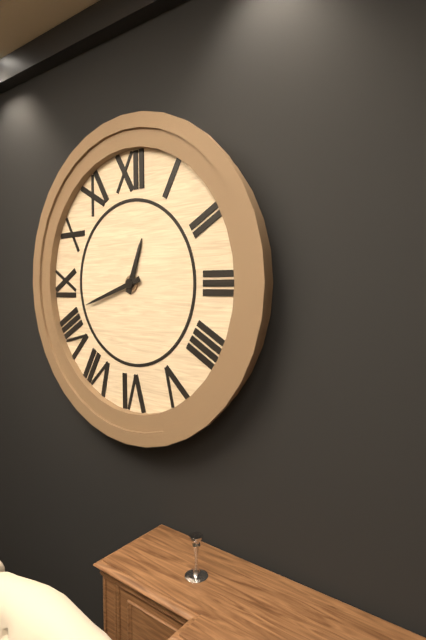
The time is 12,42
